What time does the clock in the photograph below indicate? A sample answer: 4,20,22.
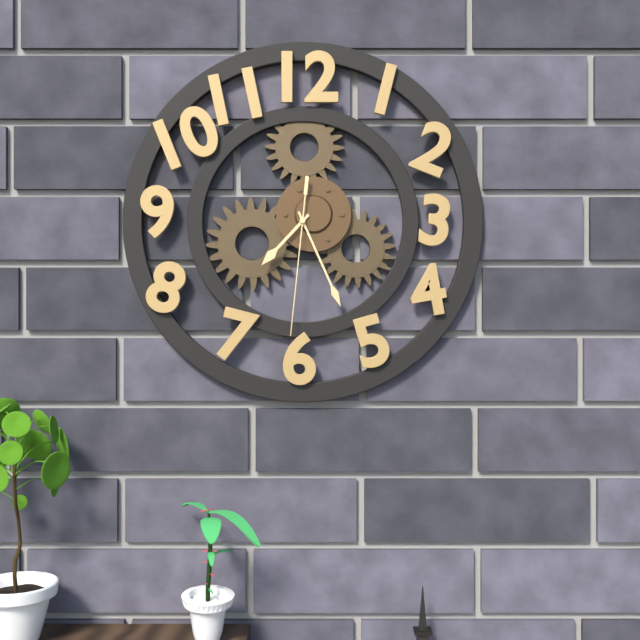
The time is 7,26,31
